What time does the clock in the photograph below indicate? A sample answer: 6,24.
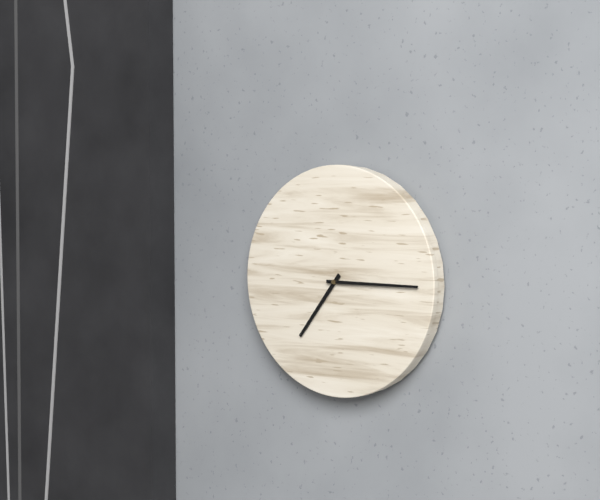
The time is 7,15
